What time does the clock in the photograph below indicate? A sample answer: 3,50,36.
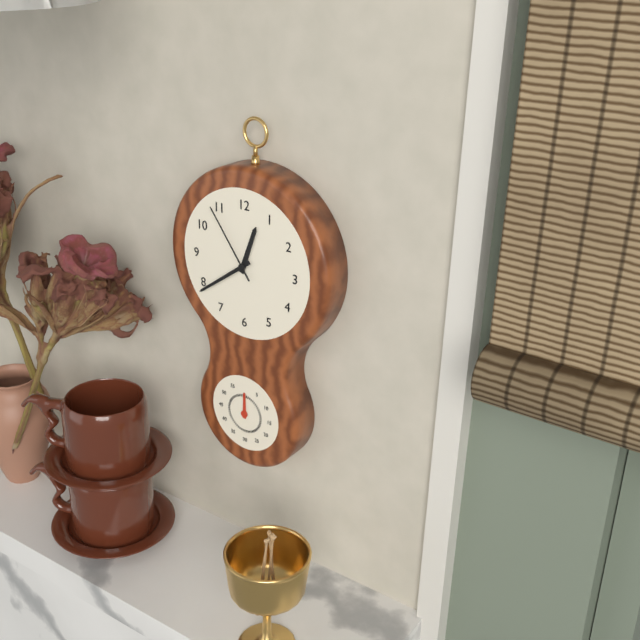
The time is 12,39,54
